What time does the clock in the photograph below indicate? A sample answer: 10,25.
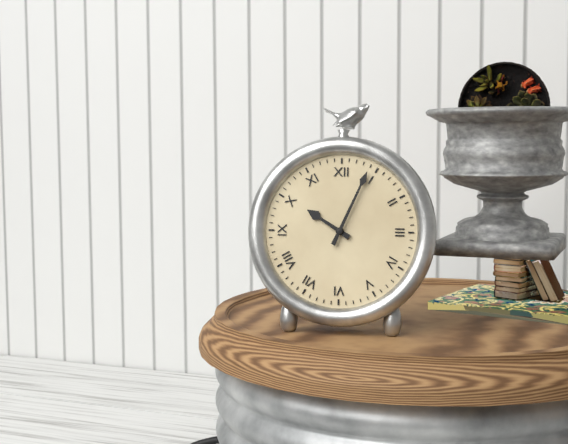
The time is 10,04
